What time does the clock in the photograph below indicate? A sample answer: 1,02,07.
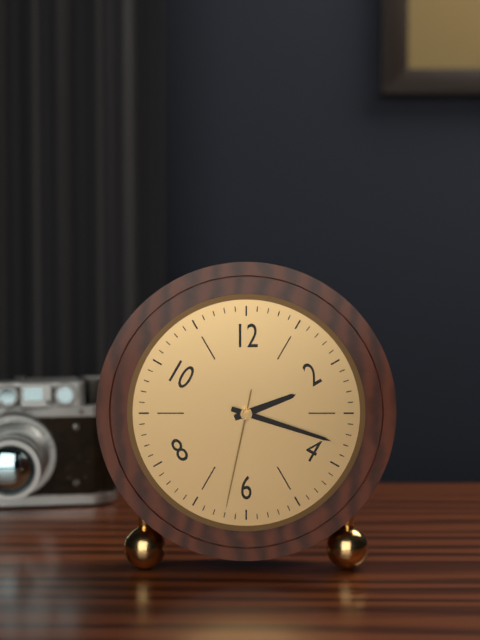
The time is 2,18,32
